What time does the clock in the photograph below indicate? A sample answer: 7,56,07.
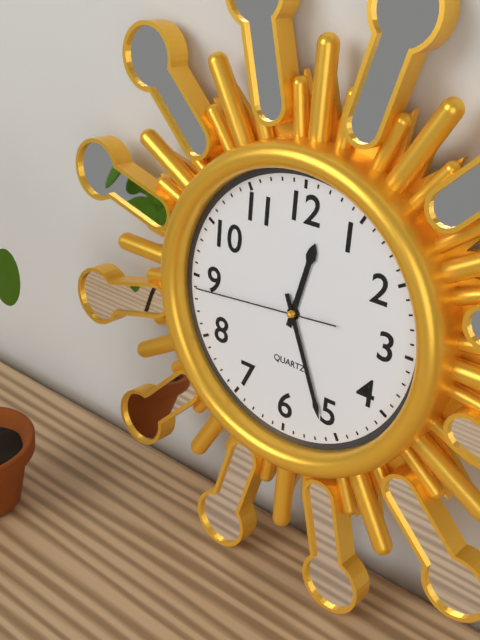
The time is 12,26,44
